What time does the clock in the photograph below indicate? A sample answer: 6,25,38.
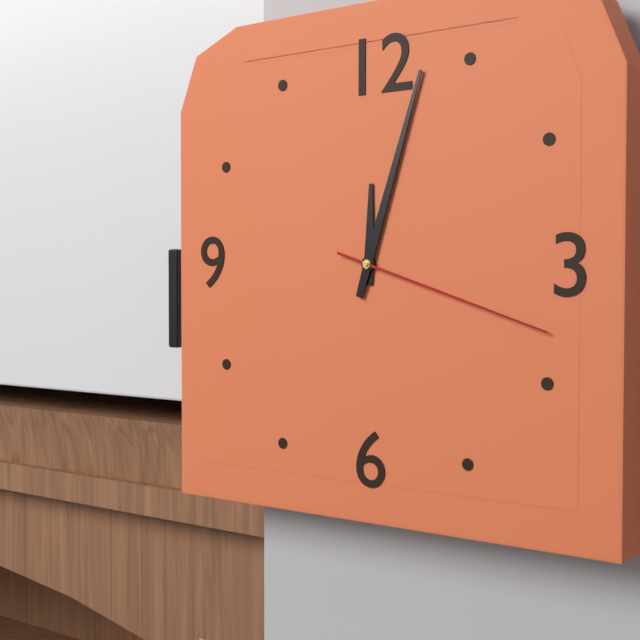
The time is 12,03,18
